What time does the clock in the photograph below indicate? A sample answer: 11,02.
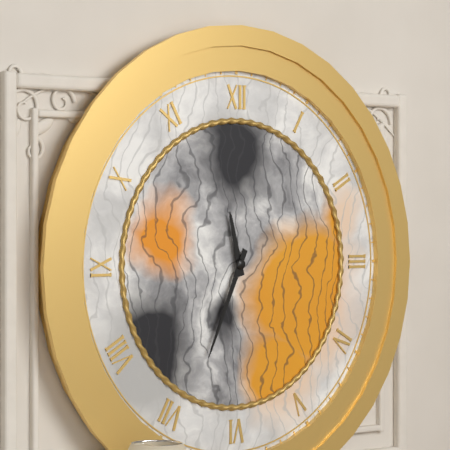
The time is 11,34
